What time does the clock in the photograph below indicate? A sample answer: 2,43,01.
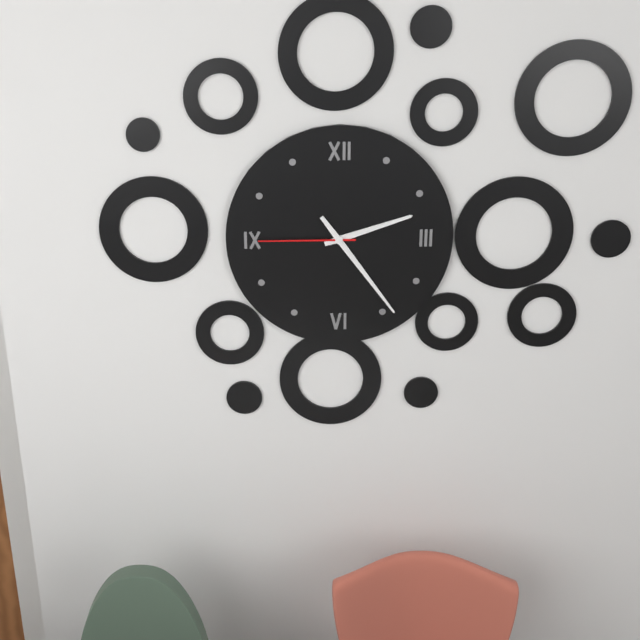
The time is 2,24,45
